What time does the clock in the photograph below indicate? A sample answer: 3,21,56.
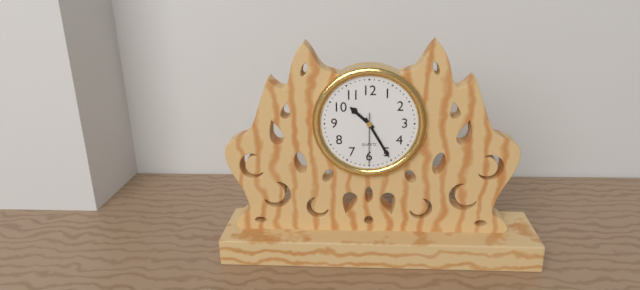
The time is 10,25,30
